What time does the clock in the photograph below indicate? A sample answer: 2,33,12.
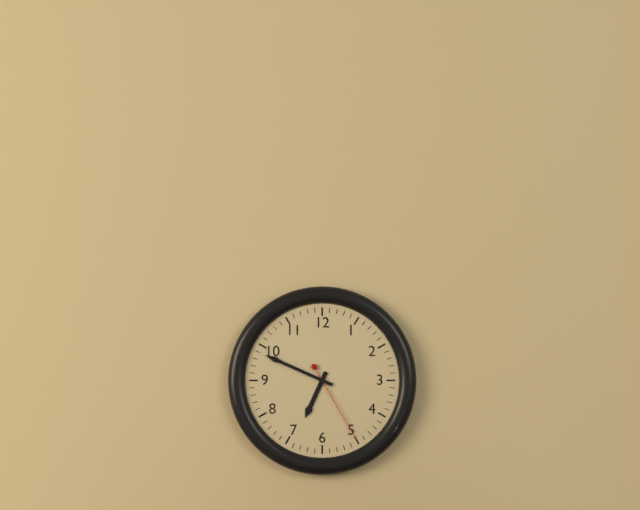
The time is 6,49,25
